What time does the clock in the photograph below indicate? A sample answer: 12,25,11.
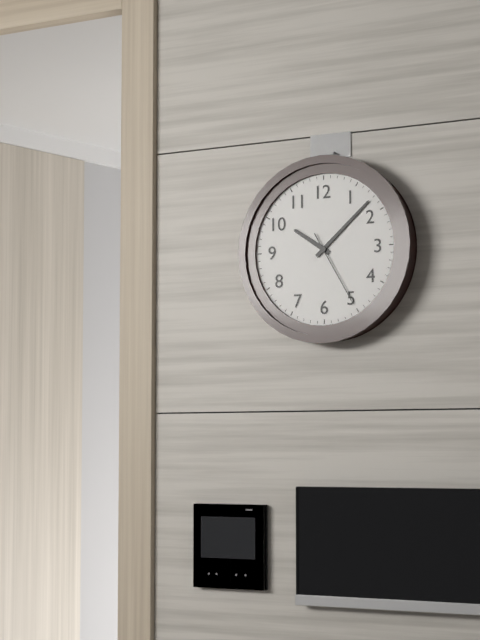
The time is 10,08,25
